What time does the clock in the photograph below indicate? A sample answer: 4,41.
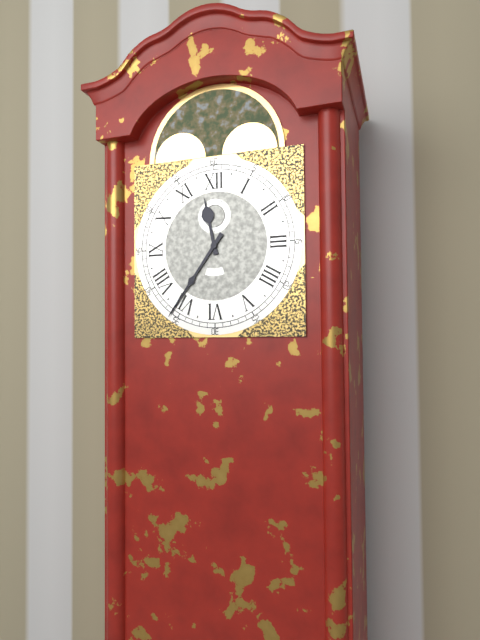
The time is 11,36
